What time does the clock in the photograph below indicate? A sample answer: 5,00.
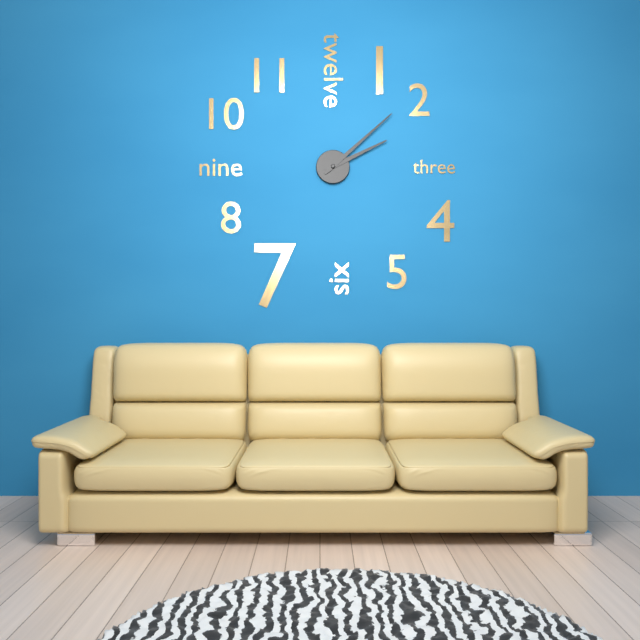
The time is 2,08
